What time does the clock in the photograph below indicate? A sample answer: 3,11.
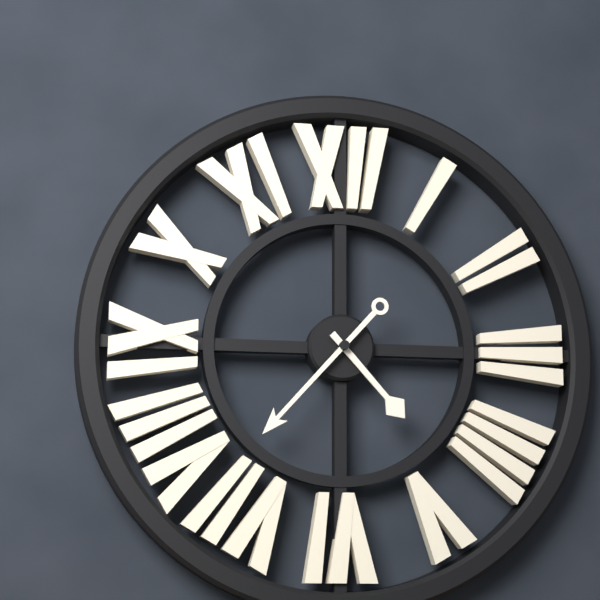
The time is 4,37
